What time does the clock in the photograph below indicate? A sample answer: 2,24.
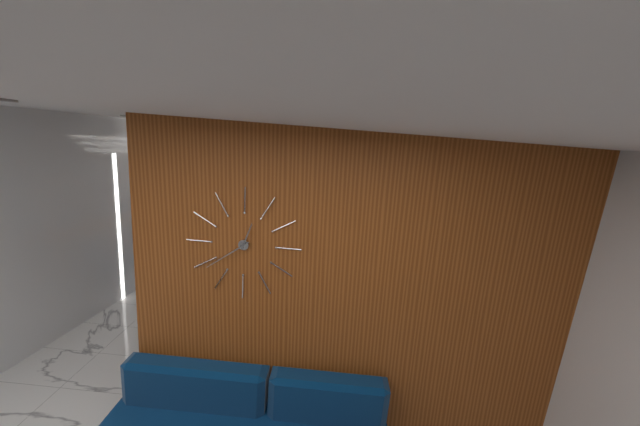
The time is 12,39
